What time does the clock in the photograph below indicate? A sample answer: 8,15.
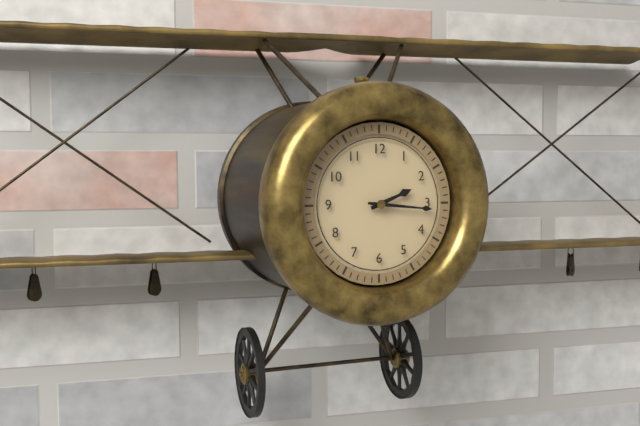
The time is 2,16
